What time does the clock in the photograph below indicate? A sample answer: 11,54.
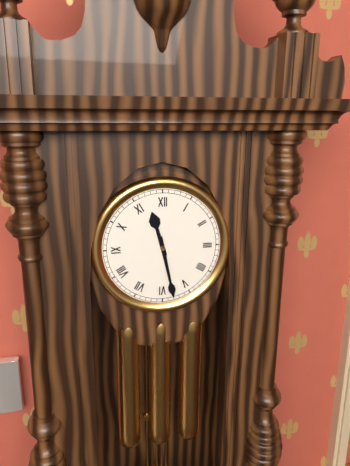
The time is 11,28
